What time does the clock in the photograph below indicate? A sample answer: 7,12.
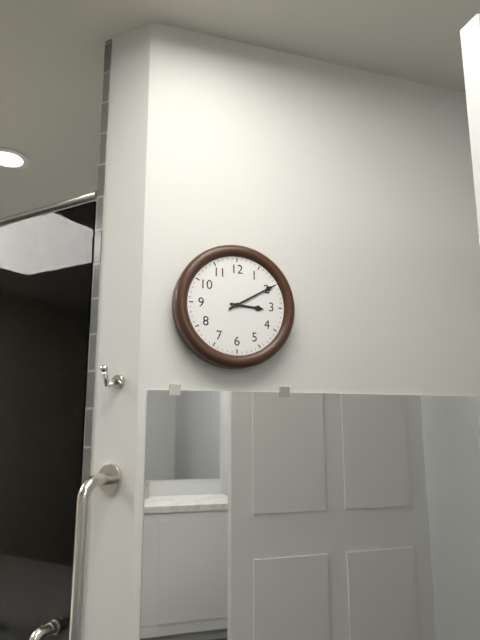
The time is 3,10
